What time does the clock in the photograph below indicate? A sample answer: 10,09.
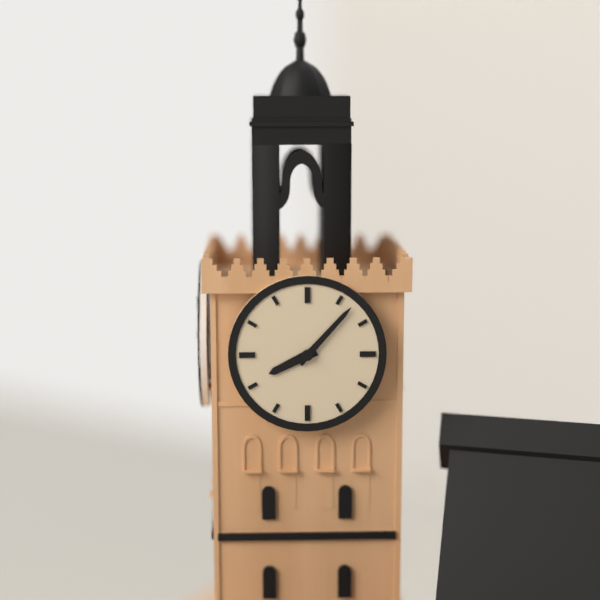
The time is 8,07
